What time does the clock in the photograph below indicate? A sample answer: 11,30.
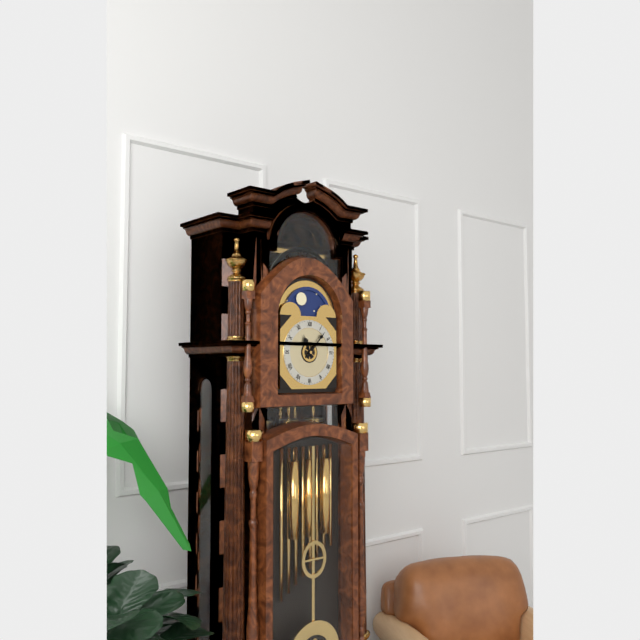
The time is 11,07
